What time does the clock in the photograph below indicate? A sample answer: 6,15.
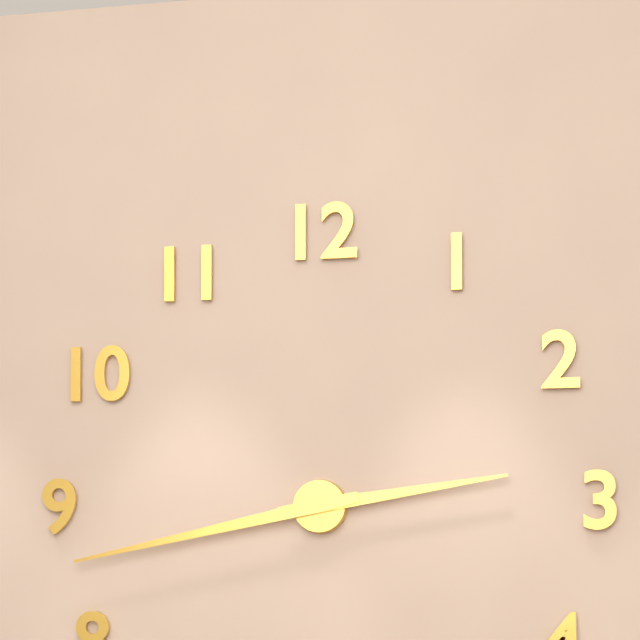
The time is 2,43
